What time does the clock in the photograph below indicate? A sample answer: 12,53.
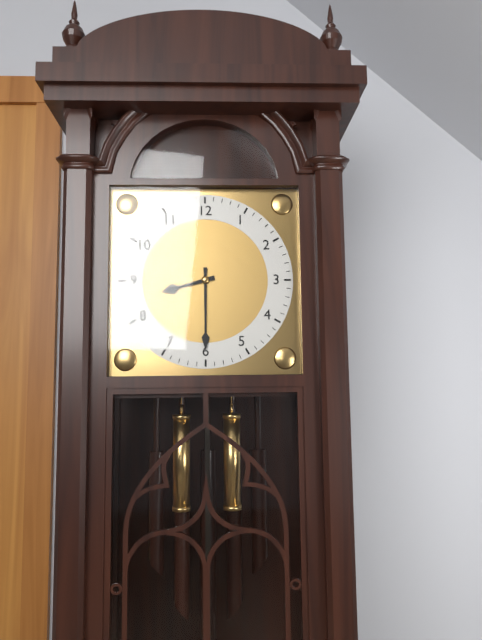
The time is 8,30
